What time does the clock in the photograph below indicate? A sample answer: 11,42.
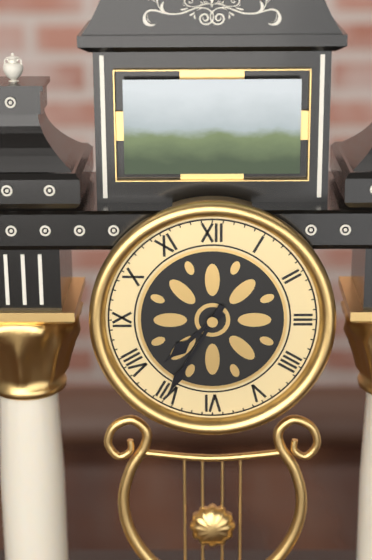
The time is 7,35
